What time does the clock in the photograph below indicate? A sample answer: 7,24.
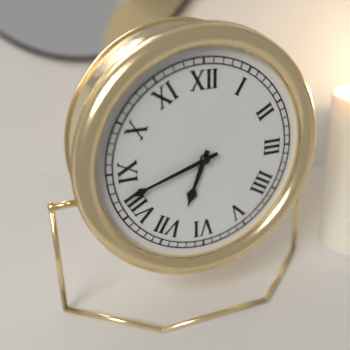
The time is 6,42
